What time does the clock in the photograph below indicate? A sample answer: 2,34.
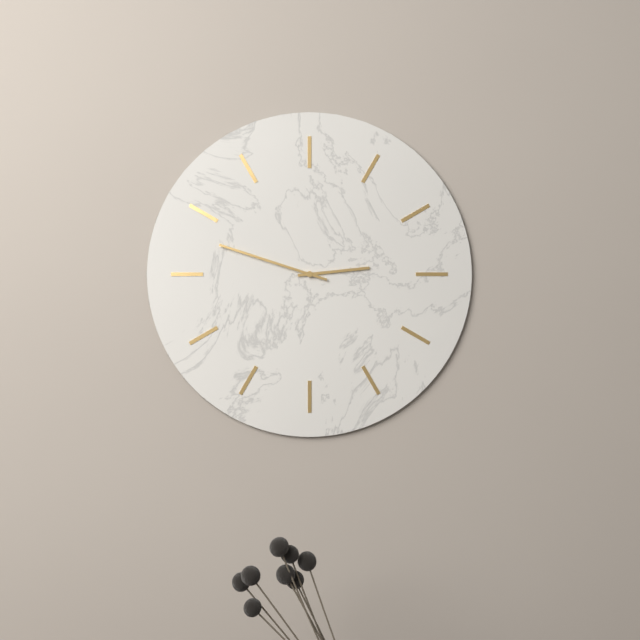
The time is 2,48
